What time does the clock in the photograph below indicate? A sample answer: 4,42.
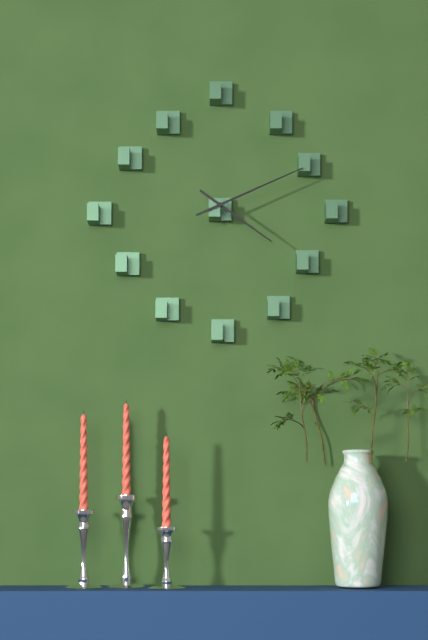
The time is 4,11
